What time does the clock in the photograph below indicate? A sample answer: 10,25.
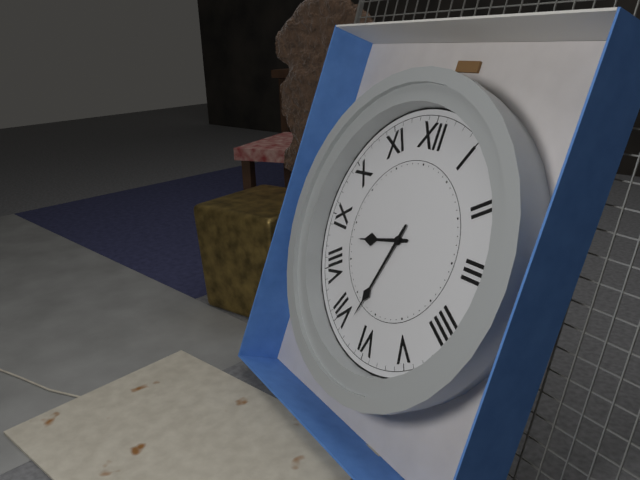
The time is 8,33
